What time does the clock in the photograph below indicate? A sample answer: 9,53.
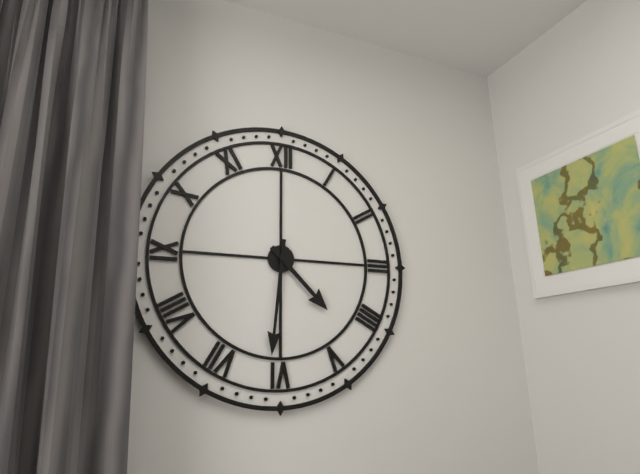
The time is 4,31
